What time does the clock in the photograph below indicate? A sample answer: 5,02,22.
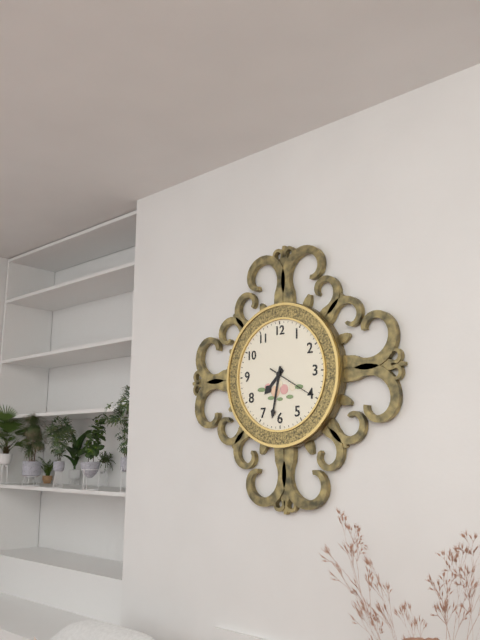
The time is 7,32,20
